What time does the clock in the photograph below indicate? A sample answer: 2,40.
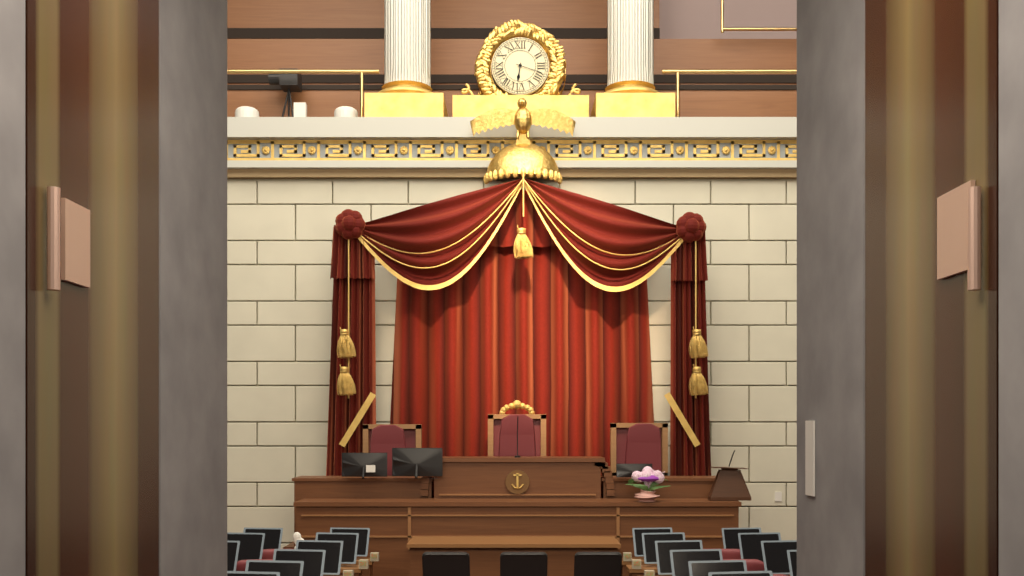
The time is 6,18
